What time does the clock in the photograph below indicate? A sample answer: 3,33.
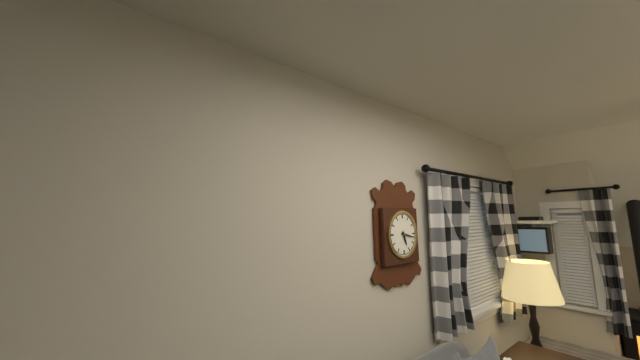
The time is 5,17
